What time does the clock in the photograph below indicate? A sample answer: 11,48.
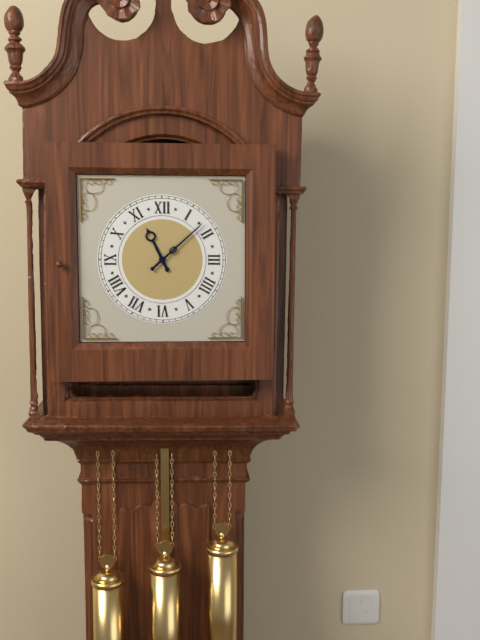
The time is 11,08
